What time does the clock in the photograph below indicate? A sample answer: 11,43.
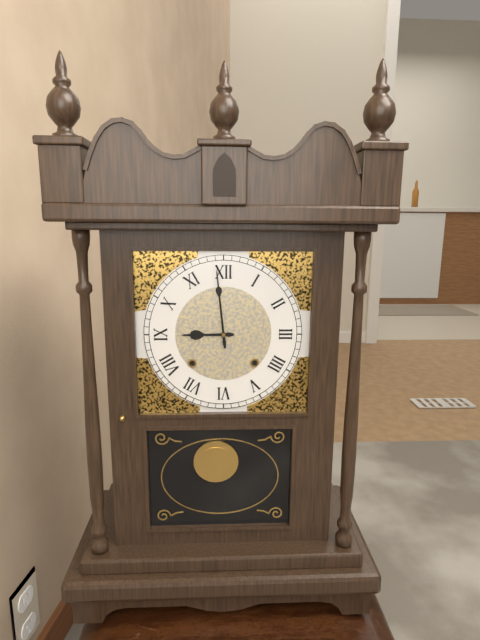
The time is 8,59
